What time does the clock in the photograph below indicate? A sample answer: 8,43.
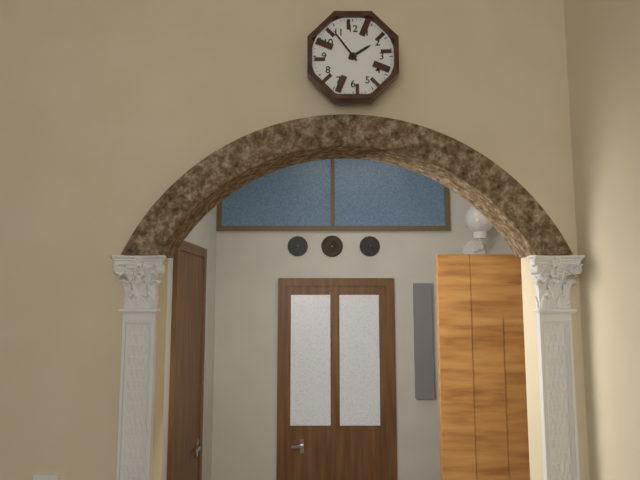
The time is 1,54
